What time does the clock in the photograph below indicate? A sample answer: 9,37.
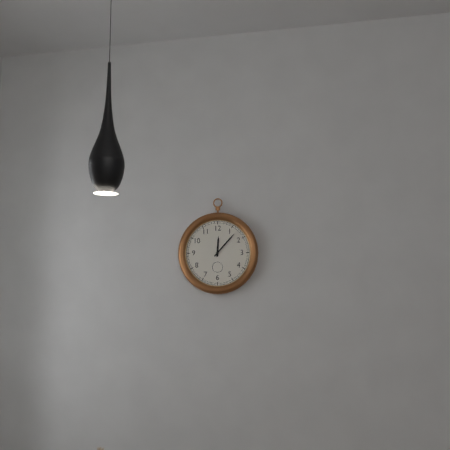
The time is 12,07
